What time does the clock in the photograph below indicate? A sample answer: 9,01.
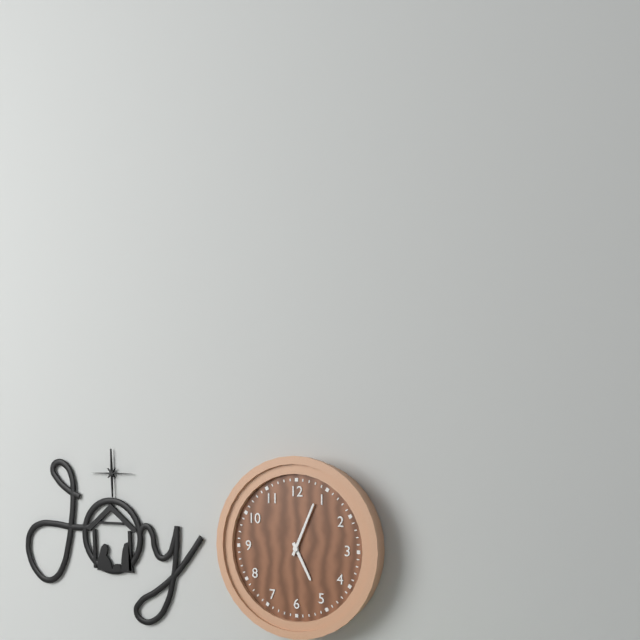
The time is 5,04
